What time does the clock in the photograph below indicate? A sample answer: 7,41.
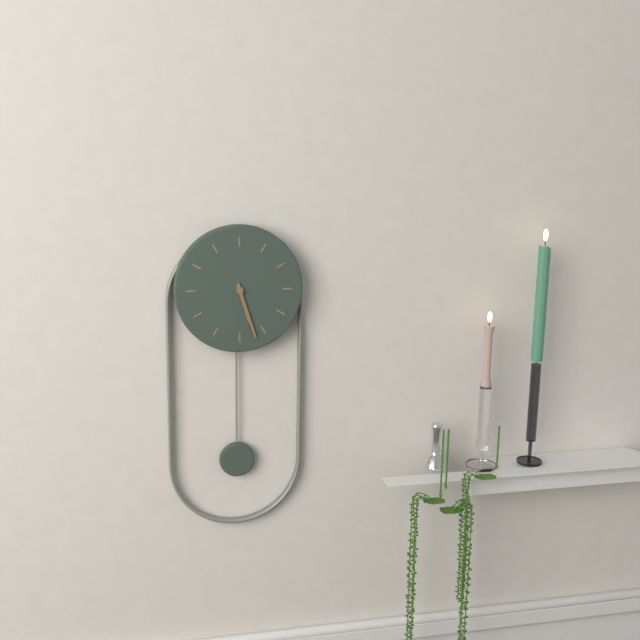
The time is 5,27
